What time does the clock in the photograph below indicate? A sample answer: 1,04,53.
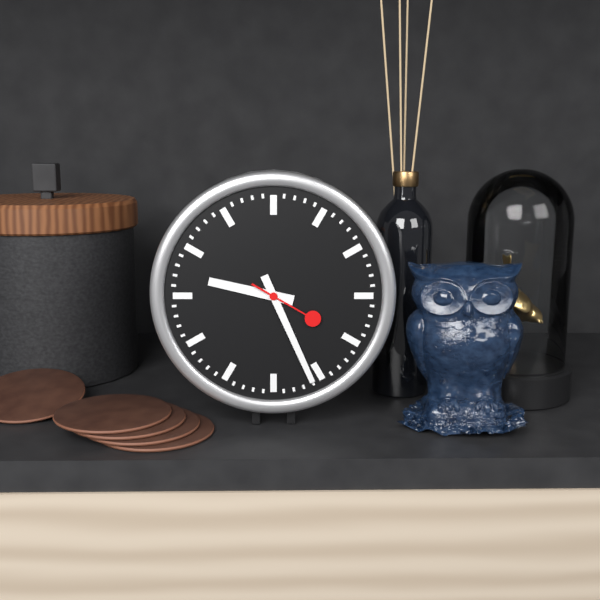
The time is 9,26,20
